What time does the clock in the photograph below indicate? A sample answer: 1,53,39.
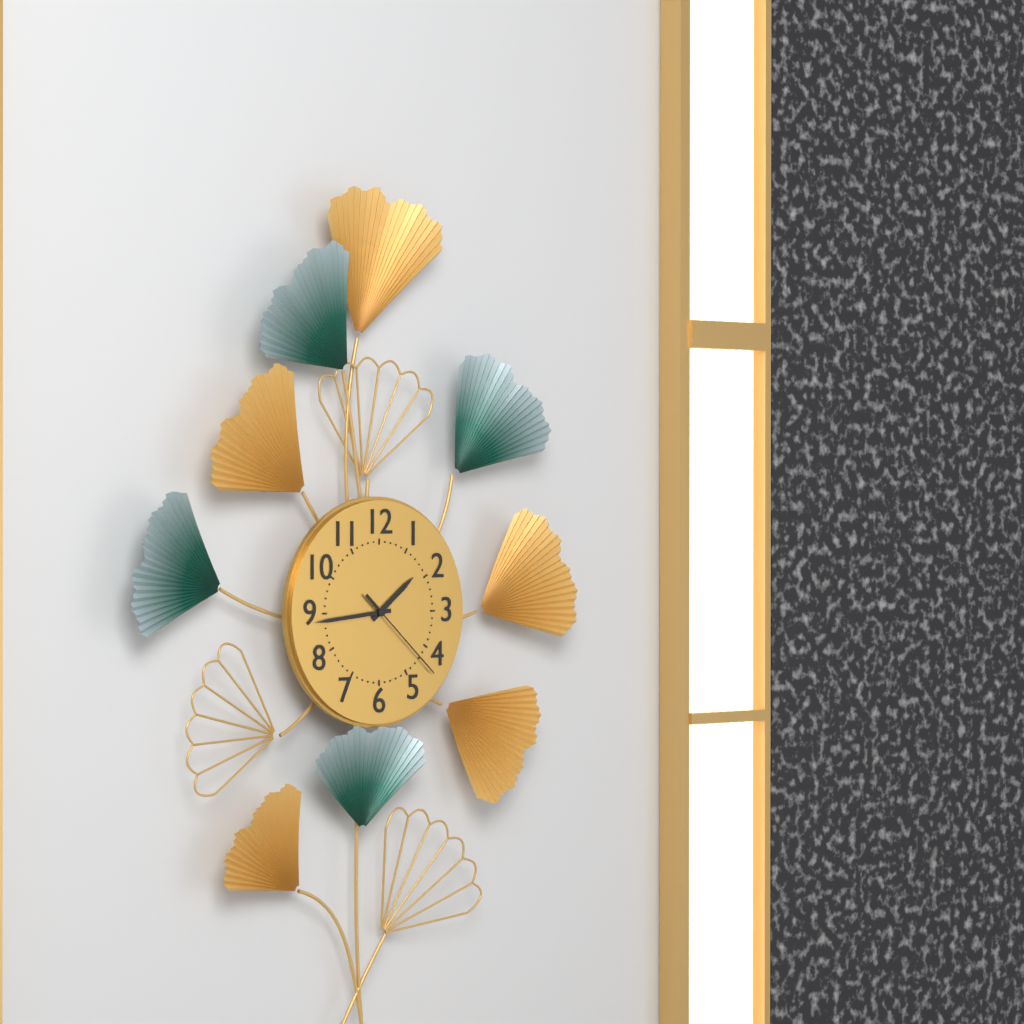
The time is 1,44,22
